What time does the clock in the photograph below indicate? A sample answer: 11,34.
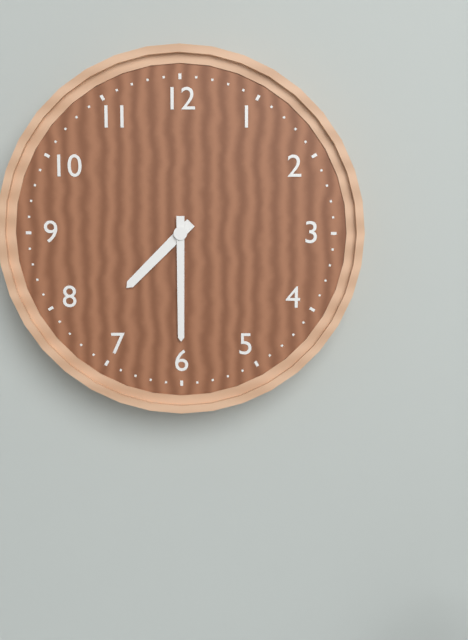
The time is 7,30
